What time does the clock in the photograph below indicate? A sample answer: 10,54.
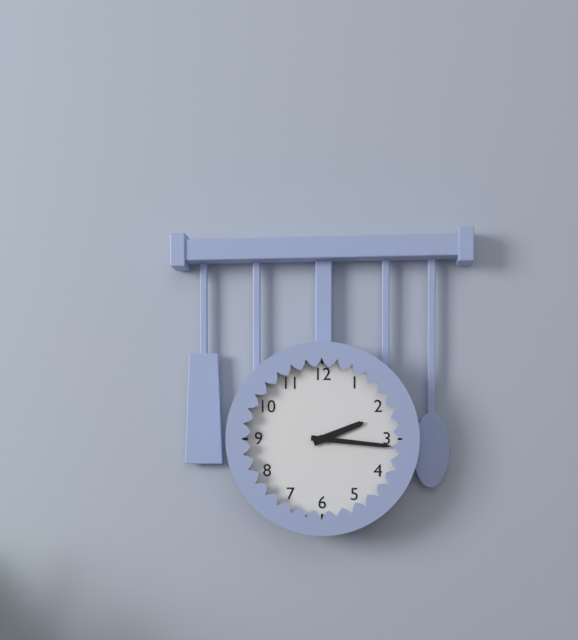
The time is 2,16
